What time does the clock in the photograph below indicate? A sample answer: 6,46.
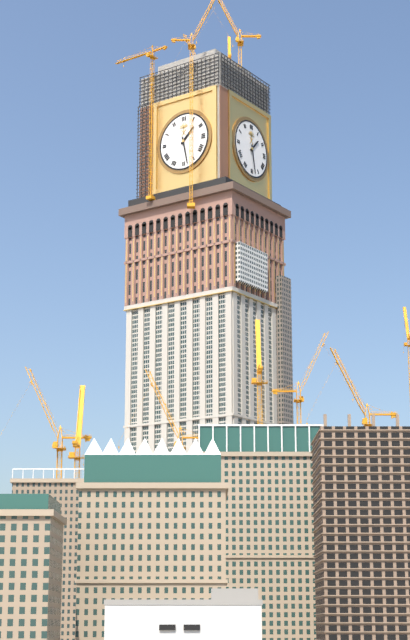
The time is 1,28
